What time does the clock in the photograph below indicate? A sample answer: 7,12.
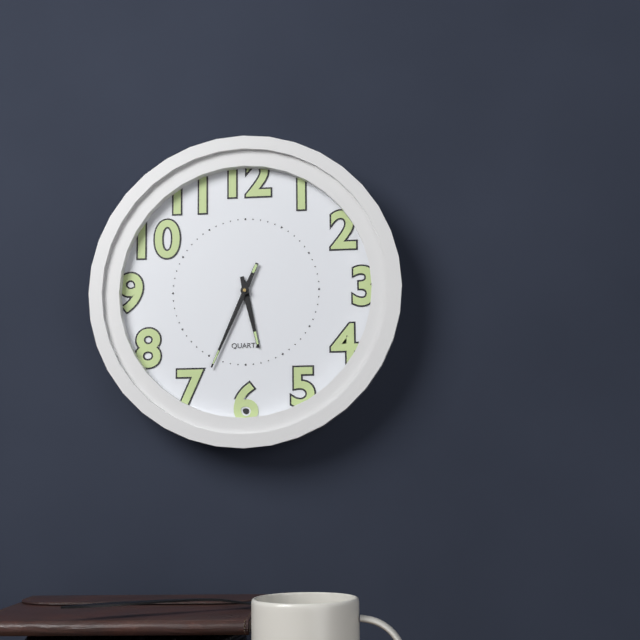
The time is 5,34
